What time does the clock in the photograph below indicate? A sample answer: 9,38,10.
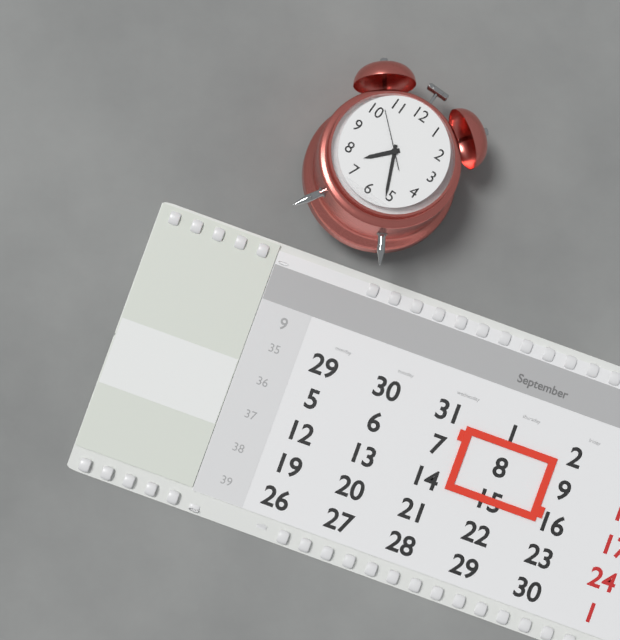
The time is 7,26,52
